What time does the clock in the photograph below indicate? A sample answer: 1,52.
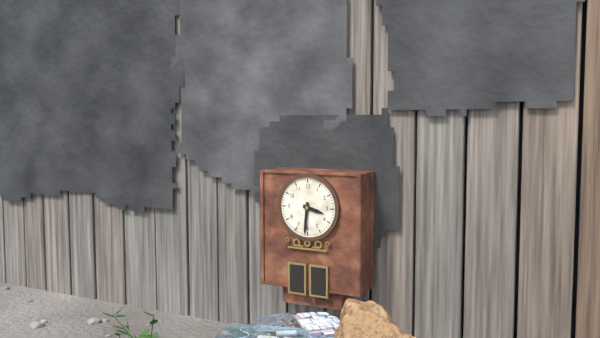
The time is 3,31
